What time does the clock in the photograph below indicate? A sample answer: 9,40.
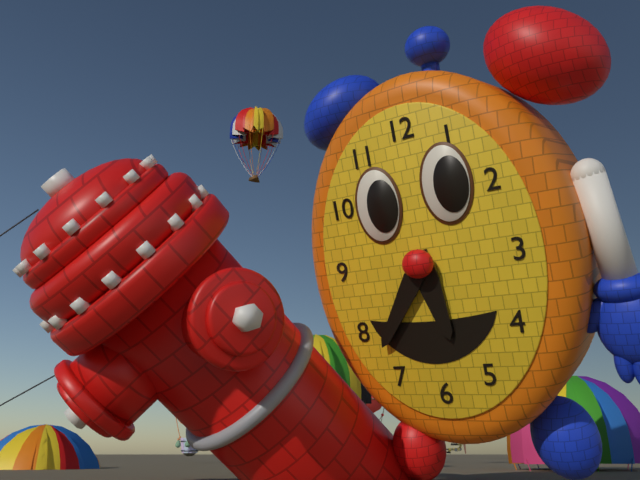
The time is 5,36
